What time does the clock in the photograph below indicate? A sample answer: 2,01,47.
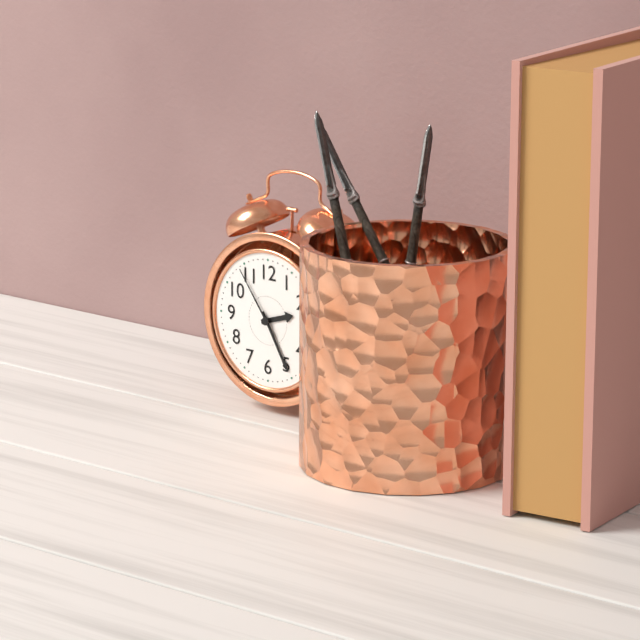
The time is 2,25,54
